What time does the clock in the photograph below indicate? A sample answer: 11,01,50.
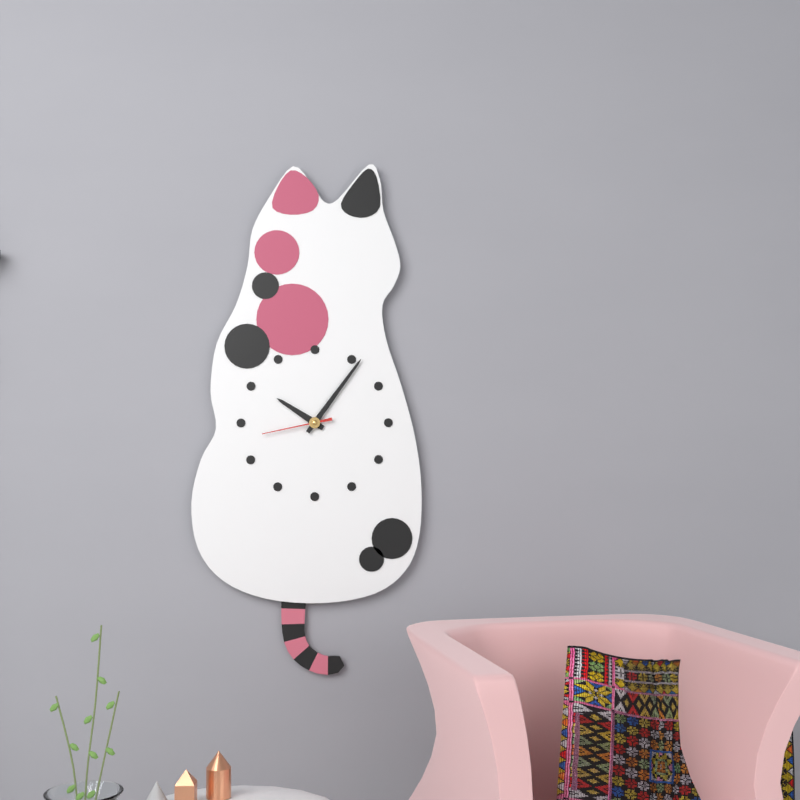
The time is 10,06,43
